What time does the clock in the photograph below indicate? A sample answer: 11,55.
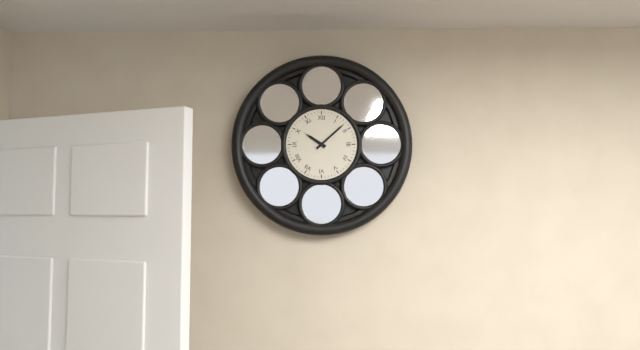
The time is 10,08
